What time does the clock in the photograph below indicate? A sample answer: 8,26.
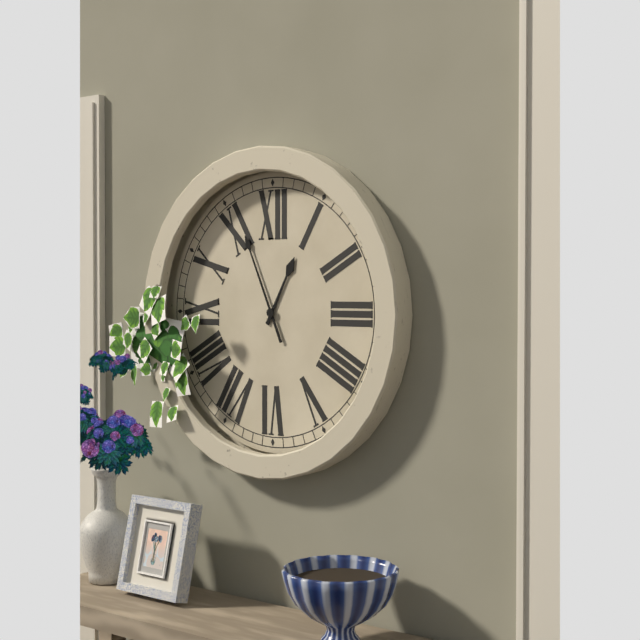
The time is 12,56
